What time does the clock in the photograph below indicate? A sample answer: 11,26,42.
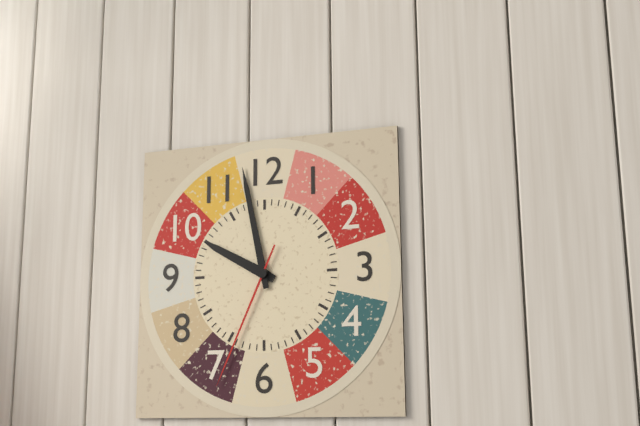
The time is 9,58,34
